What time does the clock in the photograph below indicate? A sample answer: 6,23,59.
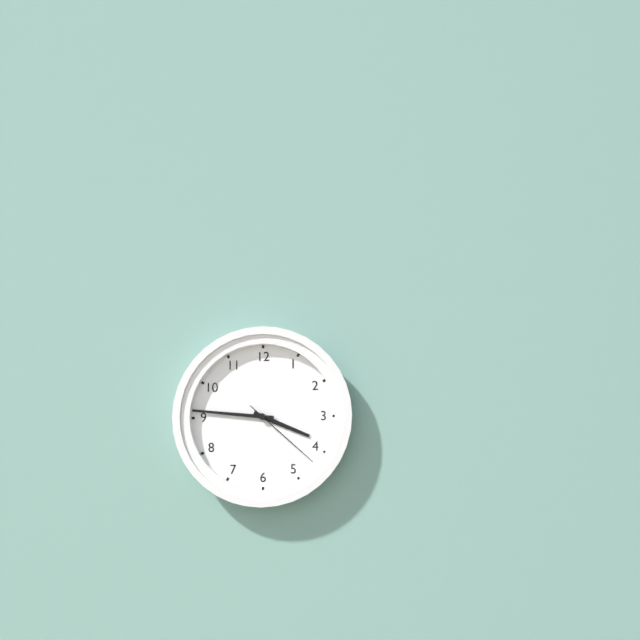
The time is 3,46,22
